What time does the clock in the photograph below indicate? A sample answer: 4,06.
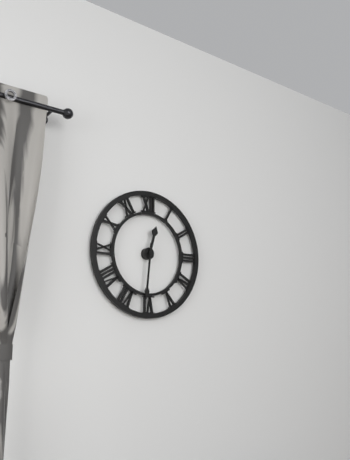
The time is 12,31
